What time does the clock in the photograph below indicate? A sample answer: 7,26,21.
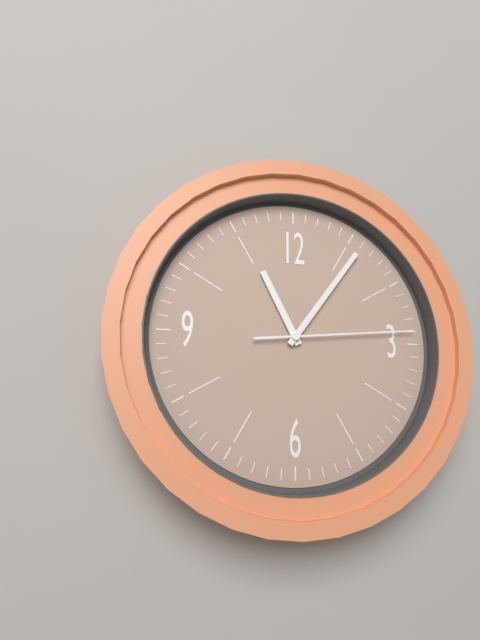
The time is 11,06,14
